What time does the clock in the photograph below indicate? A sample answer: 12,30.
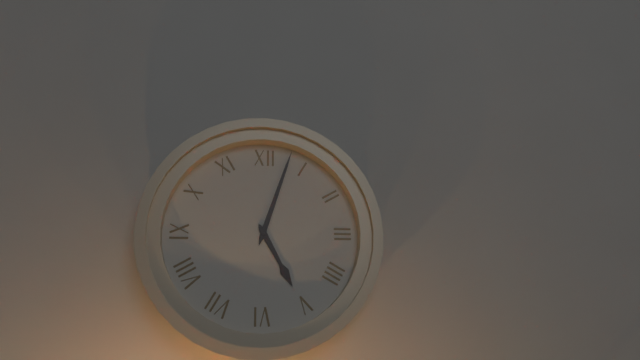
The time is 5,03
